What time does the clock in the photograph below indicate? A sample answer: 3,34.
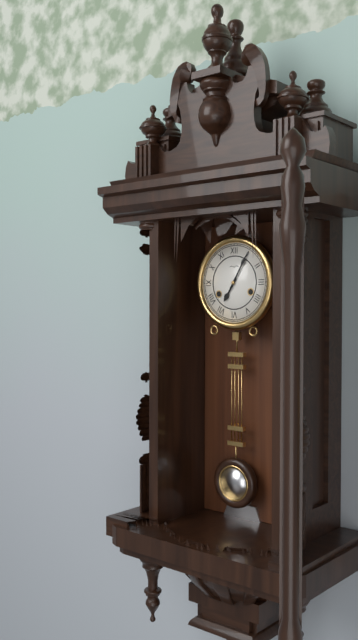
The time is 7,05
